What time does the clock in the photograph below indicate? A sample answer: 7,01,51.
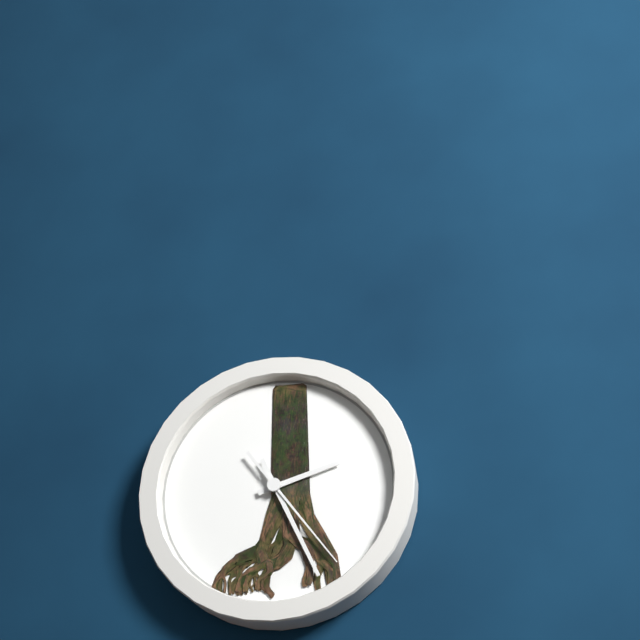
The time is 2,26,24
